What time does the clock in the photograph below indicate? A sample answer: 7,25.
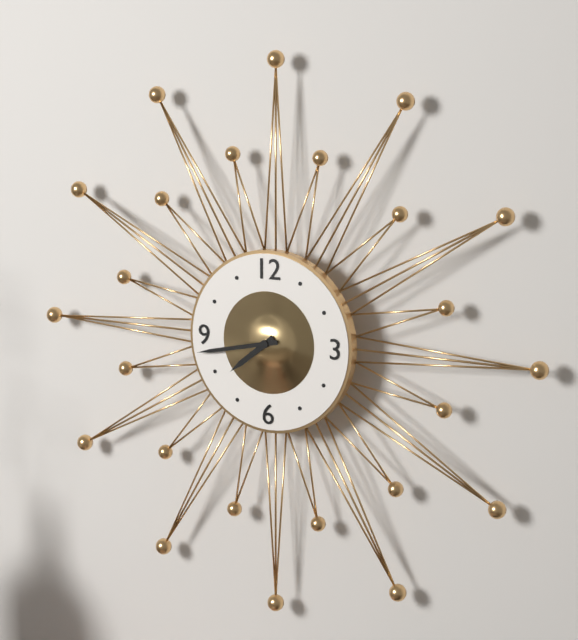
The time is 7,43
